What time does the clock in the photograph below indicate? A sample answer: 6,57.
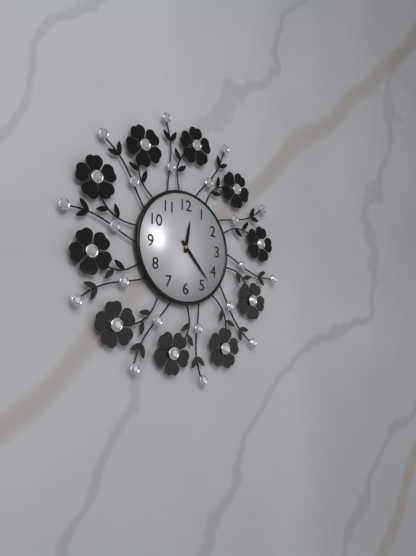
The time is 12,23
